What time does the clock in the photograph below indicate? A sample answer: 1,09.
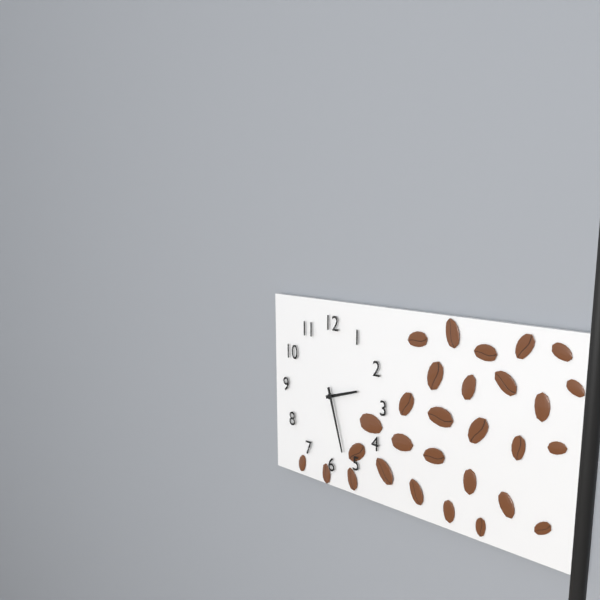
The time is 2,27
